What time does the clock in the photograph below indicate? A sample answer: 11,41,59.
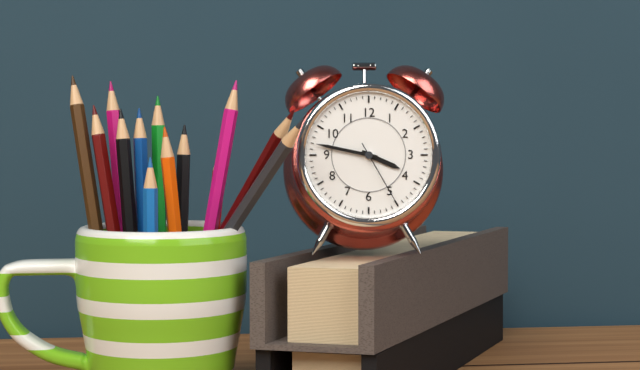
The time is 3,47,25
